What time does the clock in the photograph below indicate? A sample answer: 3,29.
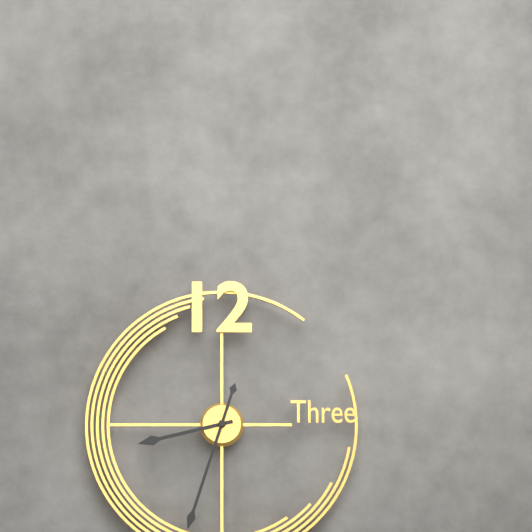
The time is 8,33
